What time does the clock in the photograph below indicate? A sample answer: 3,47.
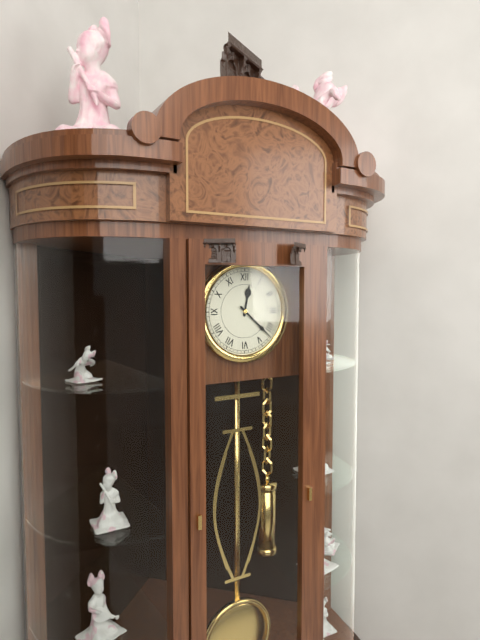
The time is 12,22
